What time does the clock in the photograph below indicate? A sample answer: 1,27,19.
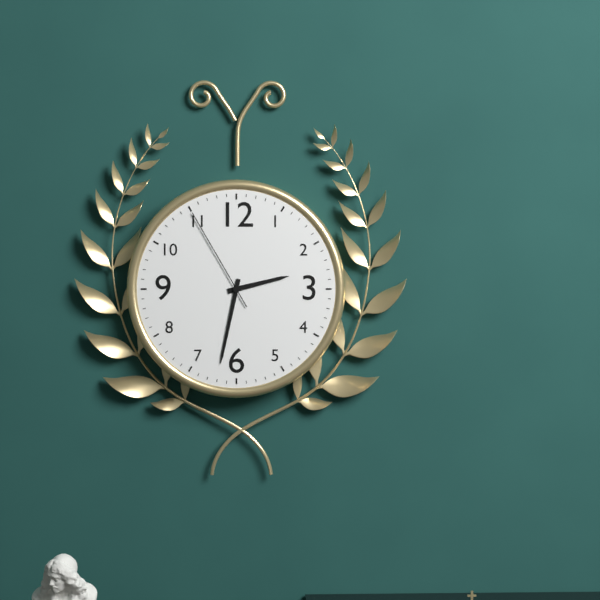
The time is 2,32,55
